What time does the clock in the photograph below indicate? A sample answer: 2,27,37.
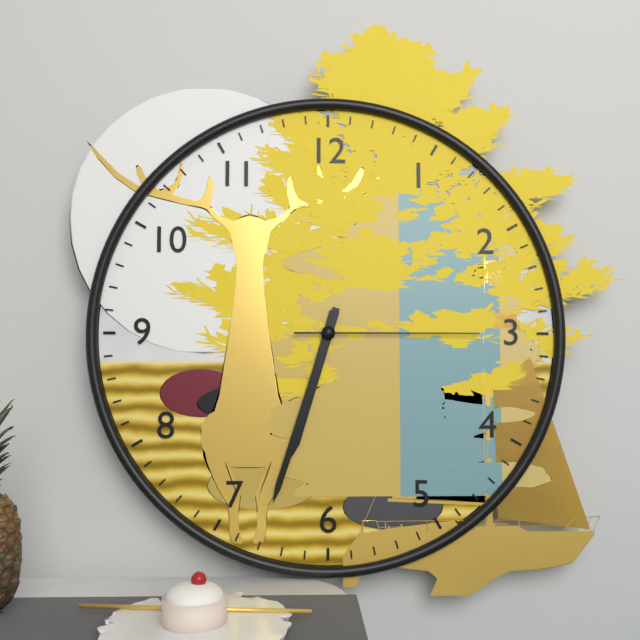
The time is 6,33,15
